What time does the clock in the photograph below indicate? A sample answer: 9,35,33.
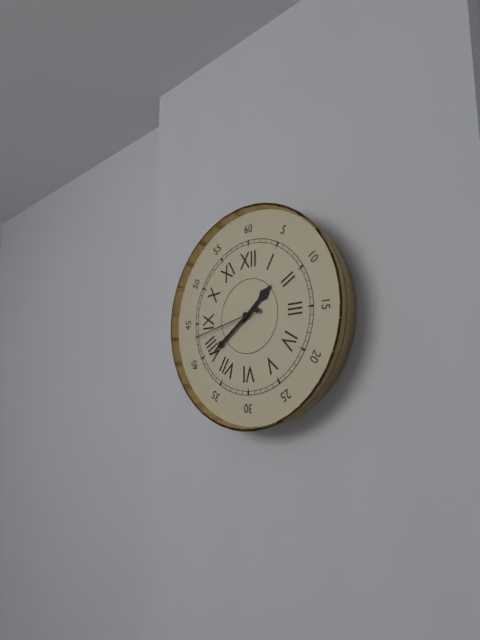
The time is 1,39,43
